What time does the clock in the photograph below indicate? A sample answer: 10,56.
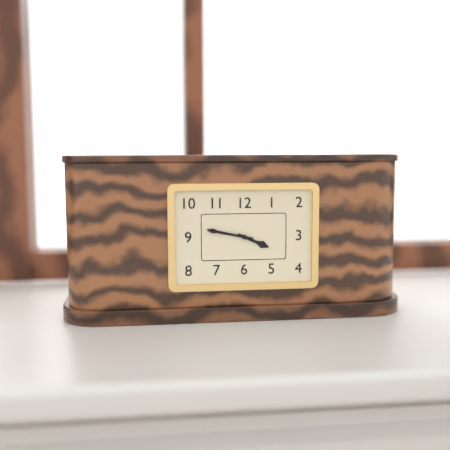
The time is 3,47
